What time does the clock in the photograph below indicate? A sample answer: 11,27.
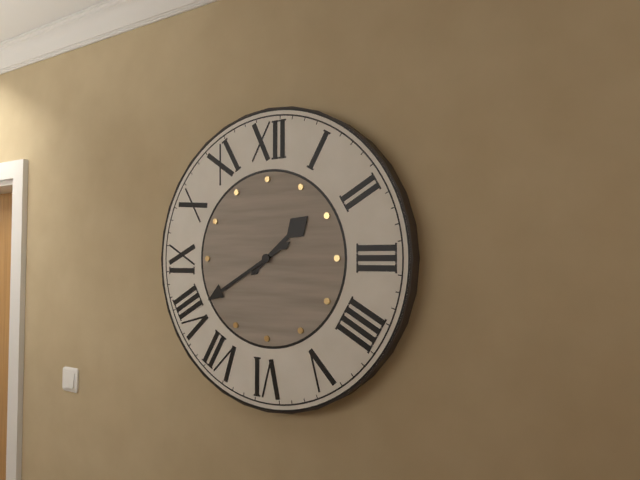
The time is 1,40
